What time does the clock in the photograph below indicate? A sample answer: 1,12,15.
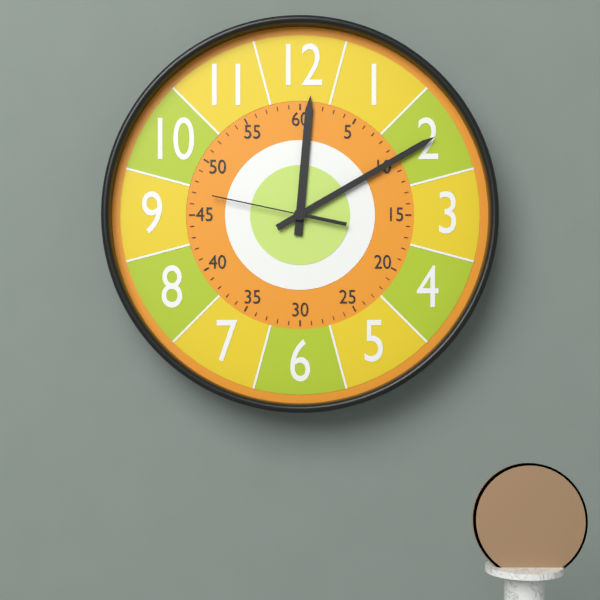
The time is 12,10,47
